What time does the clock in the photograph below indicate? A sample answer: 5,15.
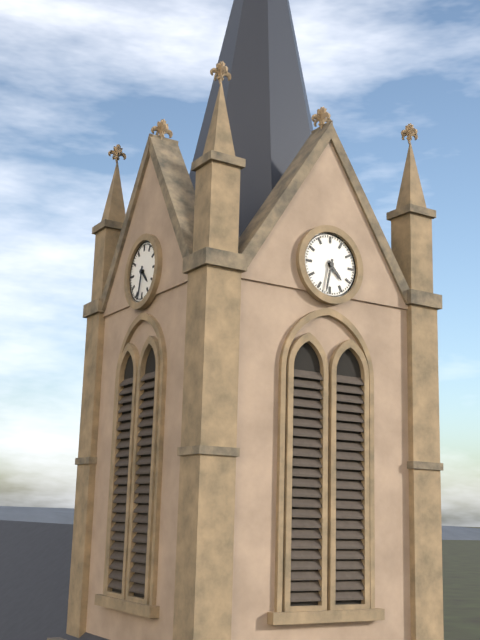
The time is 4,32
